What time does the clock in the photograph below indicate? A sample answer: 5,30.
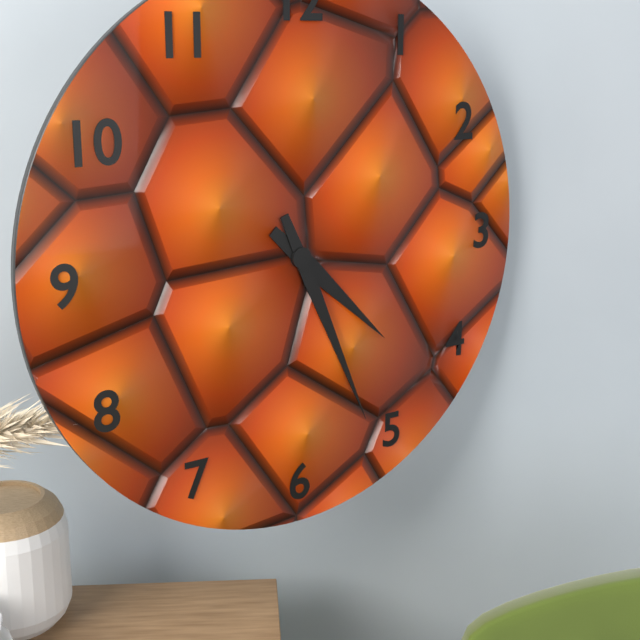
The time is 4,26
